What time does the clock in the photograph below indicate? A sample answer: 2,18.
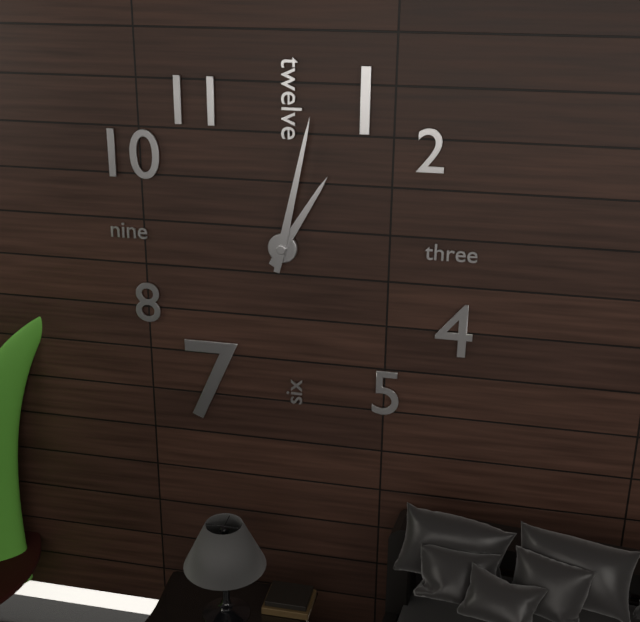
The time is 1,02
